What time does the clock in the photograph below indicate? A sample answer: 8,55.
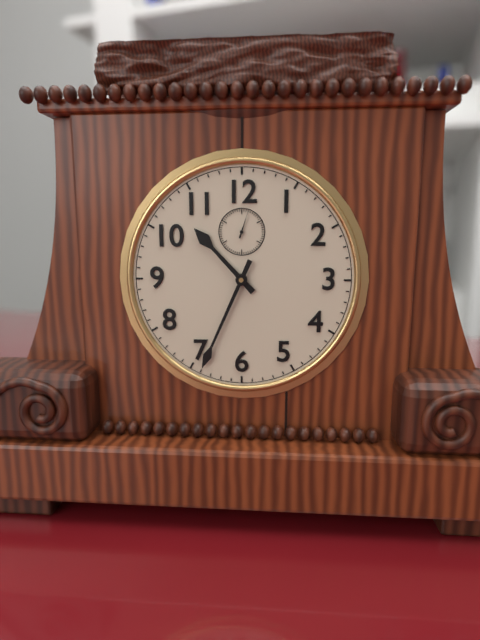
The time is 10,34
